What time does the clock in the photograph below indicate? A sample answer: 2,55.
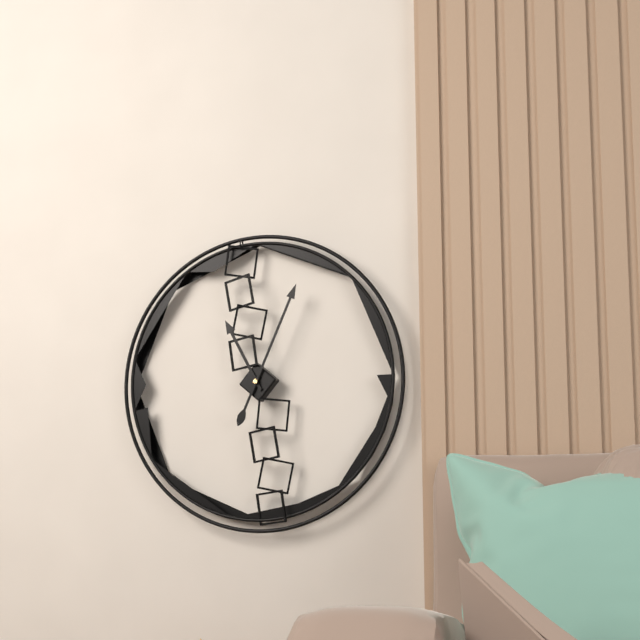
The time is 11,04
